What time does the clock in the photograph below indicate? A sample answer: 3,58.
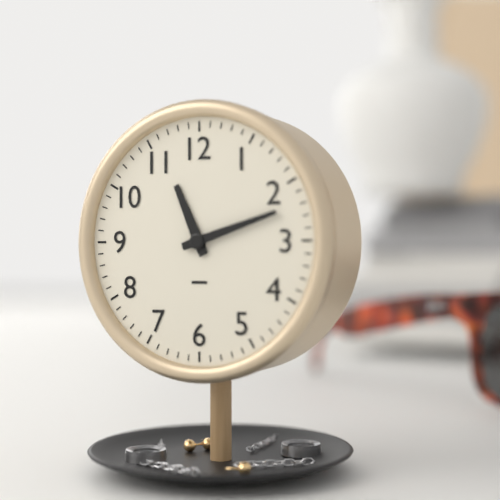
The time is 11,12
